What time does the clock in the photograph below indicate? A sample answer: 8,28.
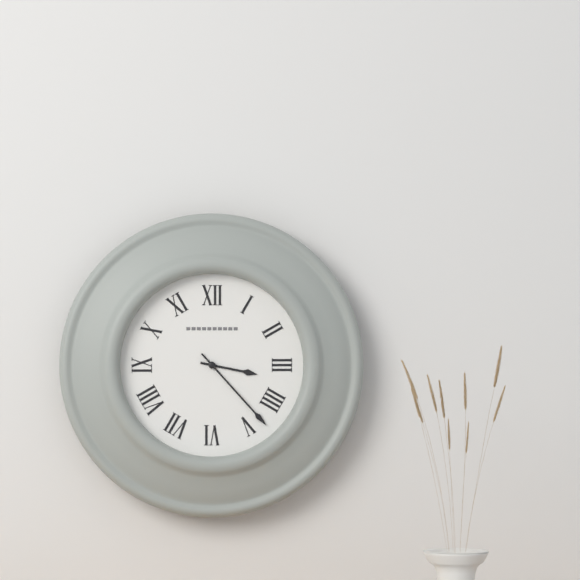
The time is 3,23
